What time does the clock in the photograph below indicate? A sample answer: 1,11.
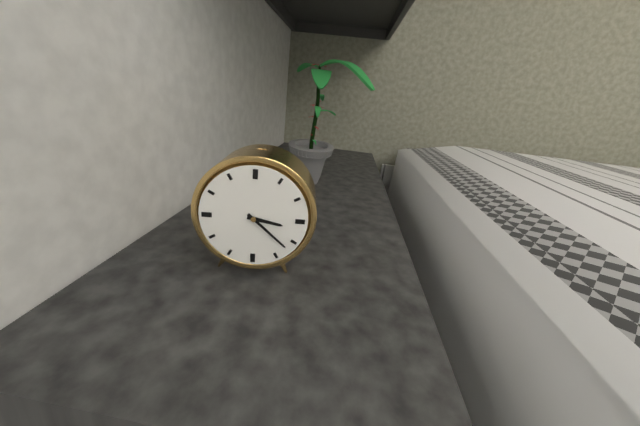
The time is 3,22
